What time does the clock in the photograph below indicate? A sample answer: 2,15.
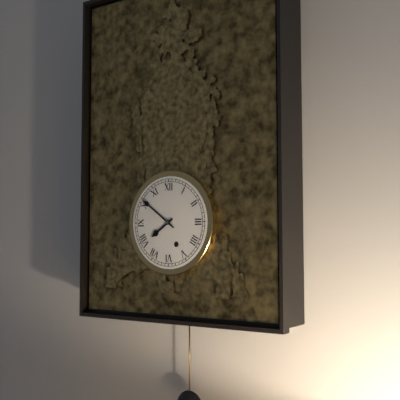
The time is 7,51
